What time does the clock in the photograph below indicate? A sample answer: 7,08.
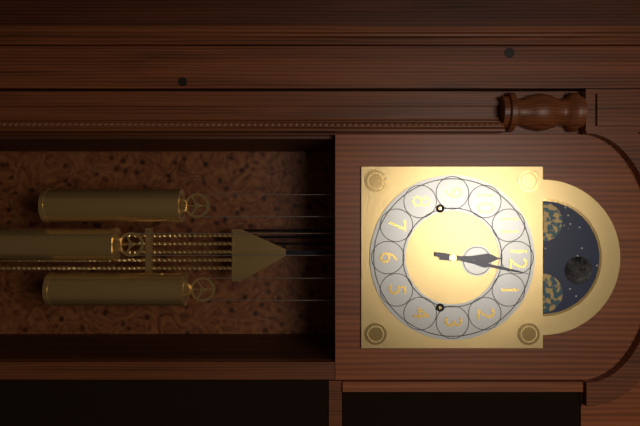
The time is 12,02
